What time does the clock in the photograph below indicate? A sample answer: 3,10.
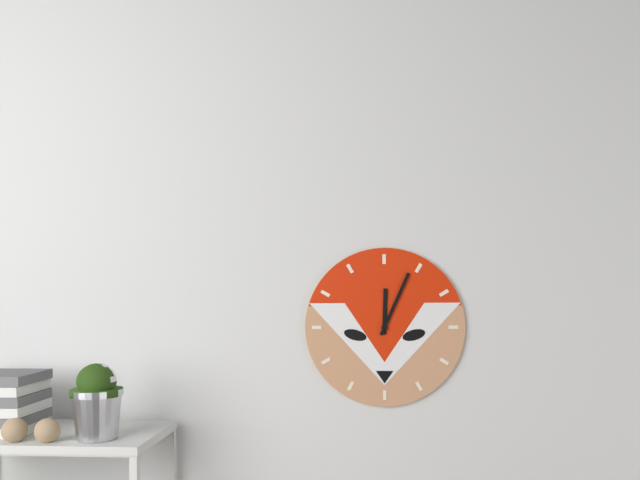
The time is 12,04
